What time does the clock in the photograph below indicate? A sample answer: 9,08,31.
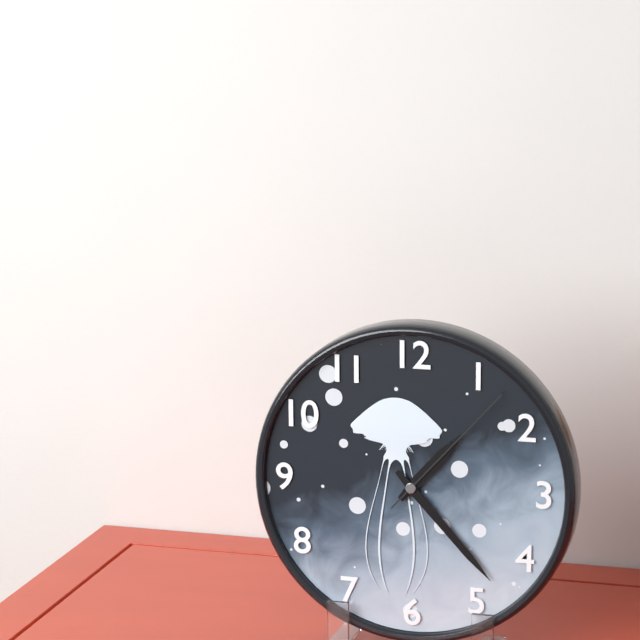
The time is 1,23,07
